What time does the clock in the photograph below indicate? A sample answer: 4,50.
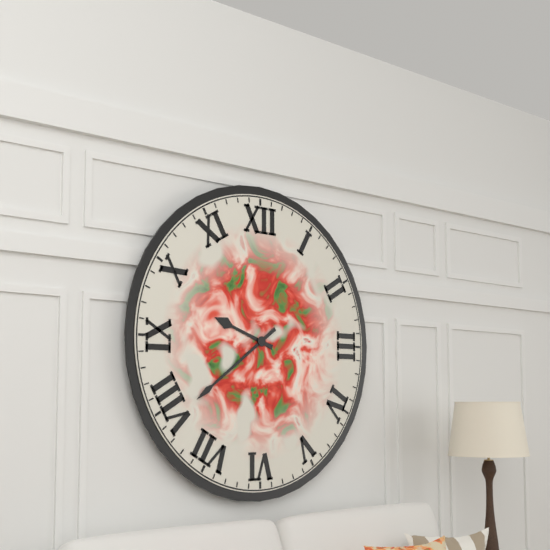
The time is 9,39
